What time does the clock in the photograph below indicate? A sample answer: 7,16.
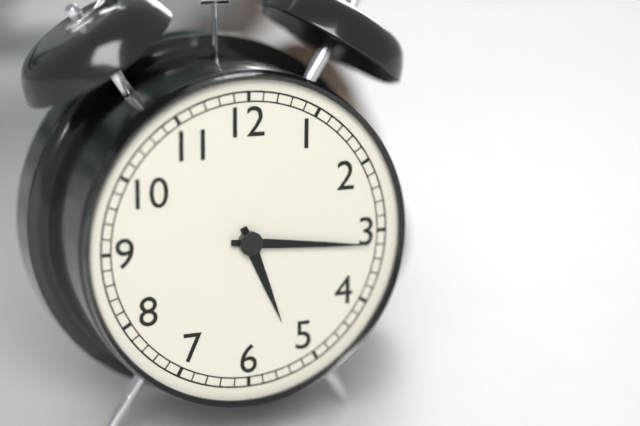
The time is 5,16
